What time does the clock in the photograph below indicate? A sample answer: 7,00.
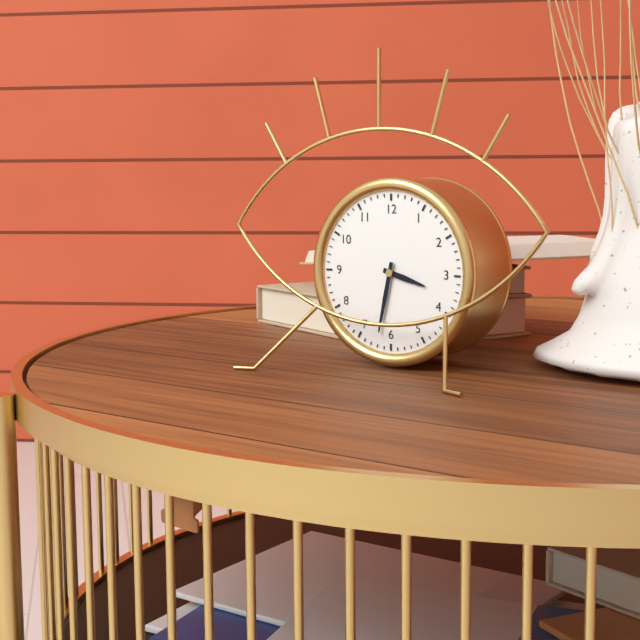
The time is 3,32
